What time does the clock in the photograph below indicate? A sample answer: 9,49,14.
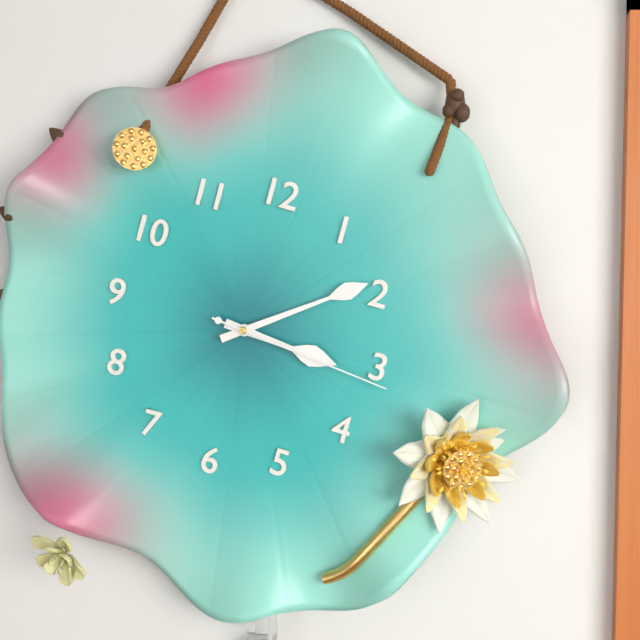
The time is 3,09,16
